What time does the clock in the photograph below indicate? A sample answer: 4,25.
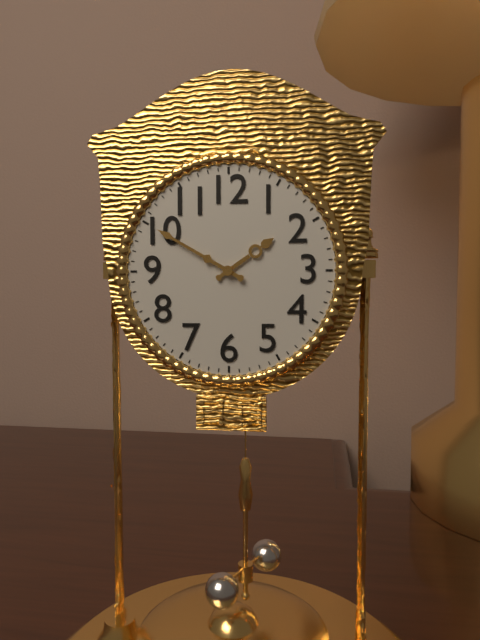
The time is 1,50
